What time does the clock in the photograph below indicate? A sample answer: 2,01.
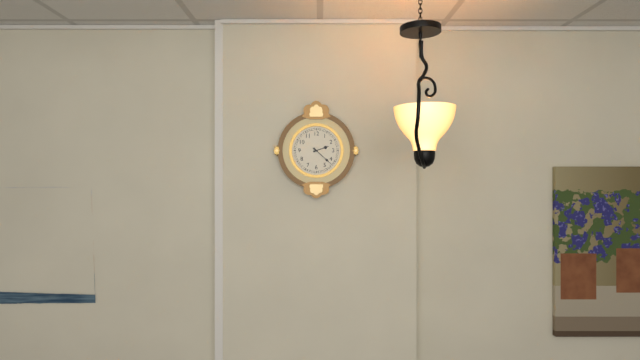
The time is 2,22
